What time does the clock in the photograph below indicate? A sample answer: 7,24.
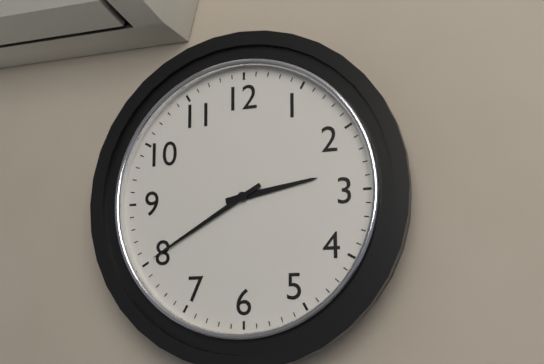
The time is 2,40
